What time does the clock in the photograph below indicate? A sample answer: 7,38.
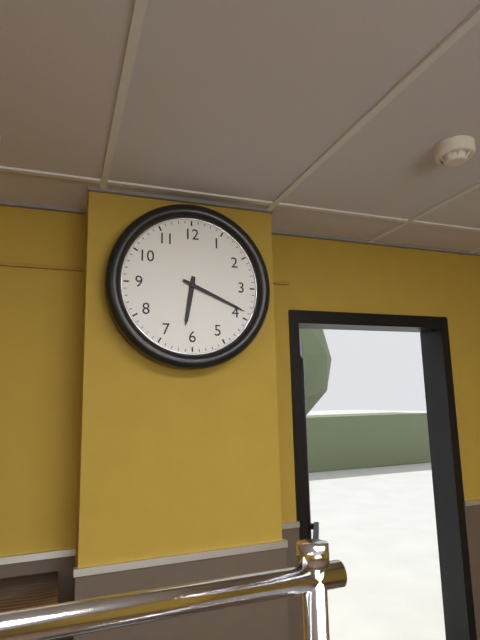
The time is 6,19
